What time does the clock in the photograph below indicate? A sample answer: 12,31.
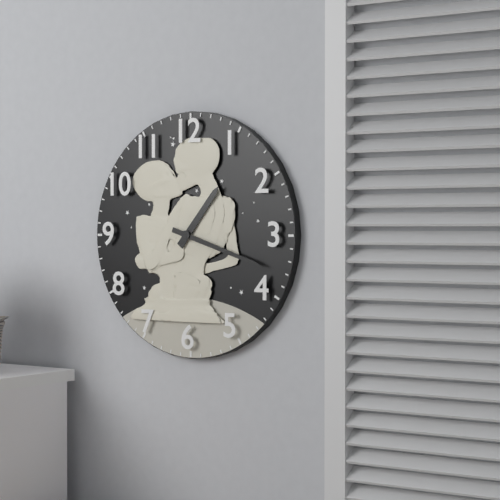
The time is 1,18
